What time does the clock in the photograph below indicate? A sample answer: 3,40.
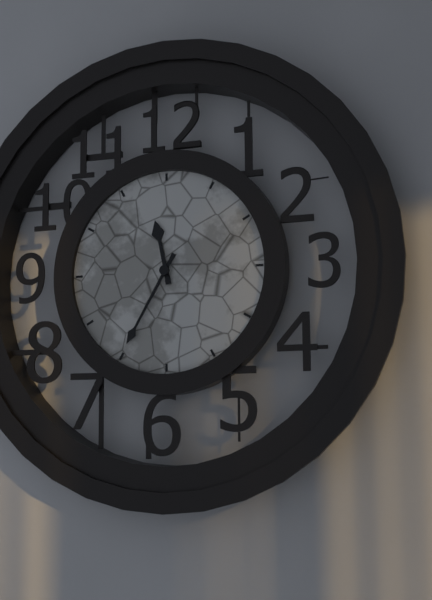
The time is 11,35
